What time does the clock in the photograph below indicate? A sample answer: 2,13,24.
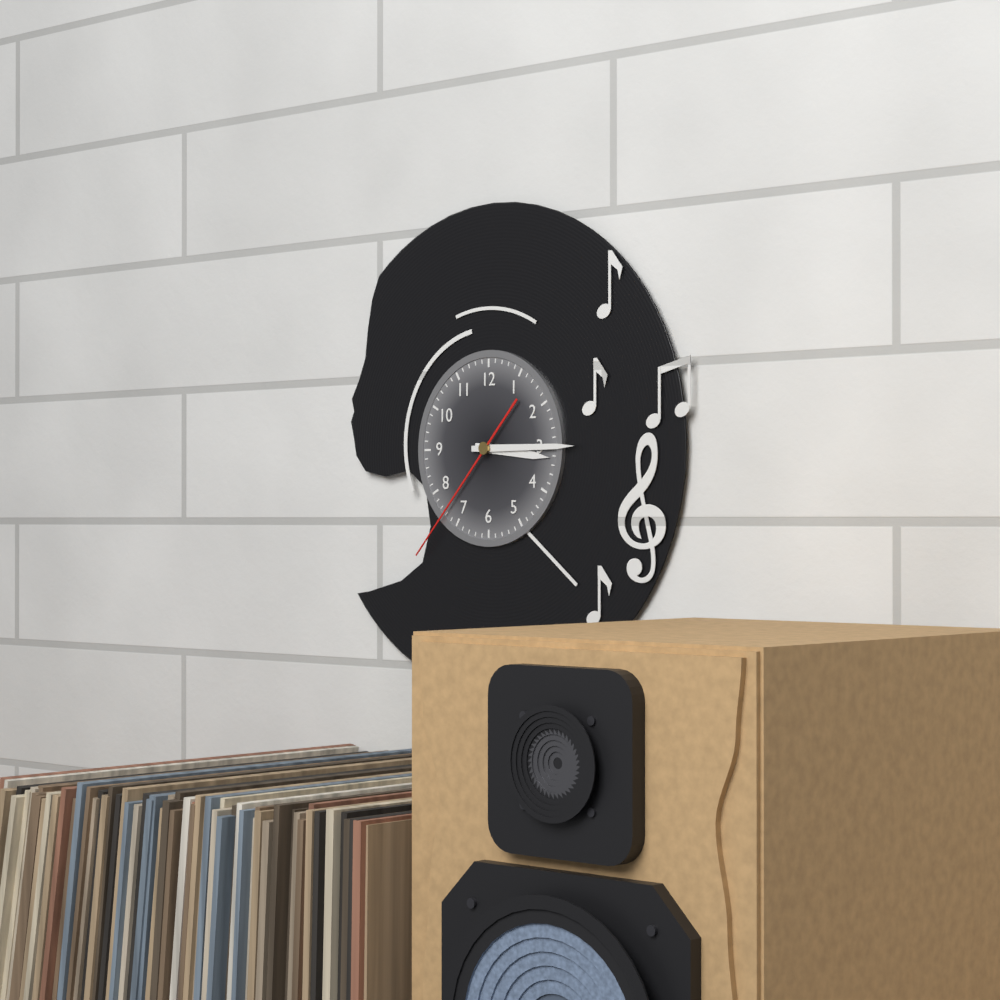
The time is 3,15,37
